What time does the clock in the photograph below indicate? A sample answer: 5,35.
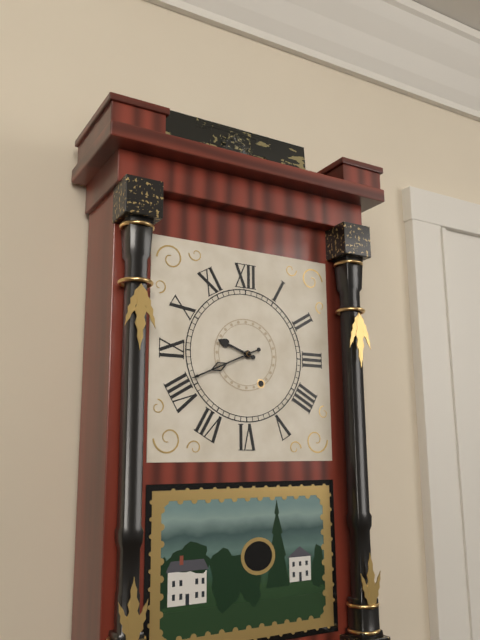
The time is 9,41
